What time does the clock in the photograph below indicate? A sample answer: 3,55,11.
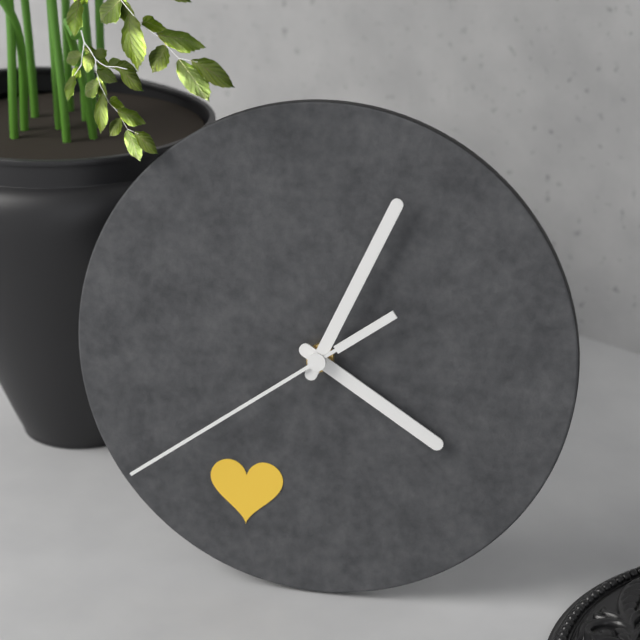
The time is 4,04,39
